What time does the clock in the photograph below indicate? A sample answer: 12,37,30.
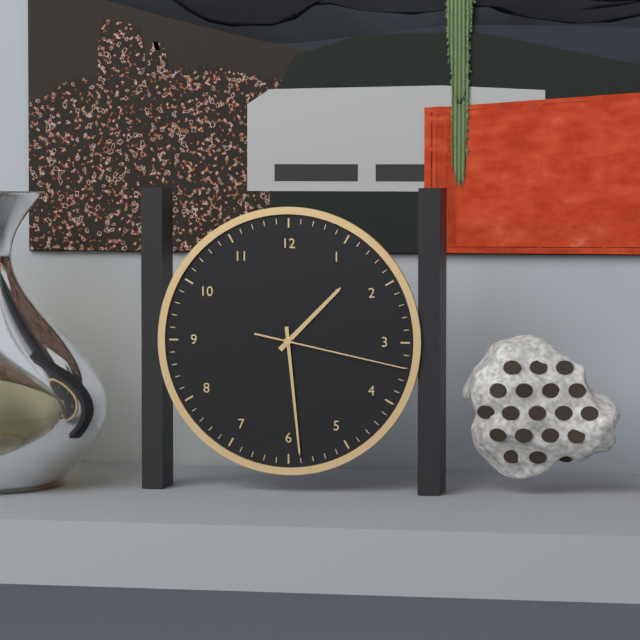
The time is 1,29,17
